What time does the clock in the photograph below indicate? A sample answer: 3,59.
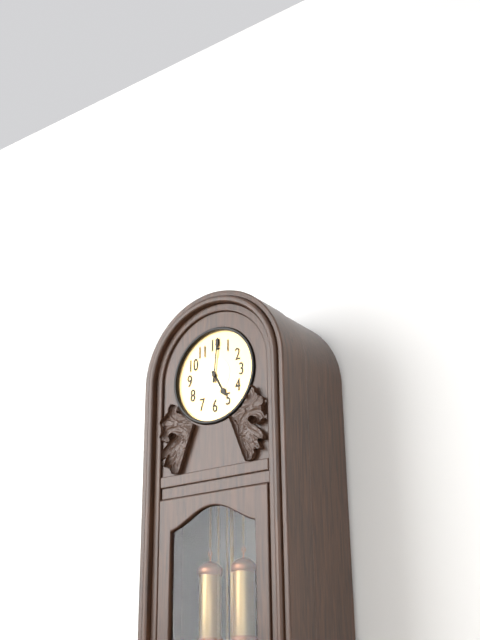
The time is 5,01
